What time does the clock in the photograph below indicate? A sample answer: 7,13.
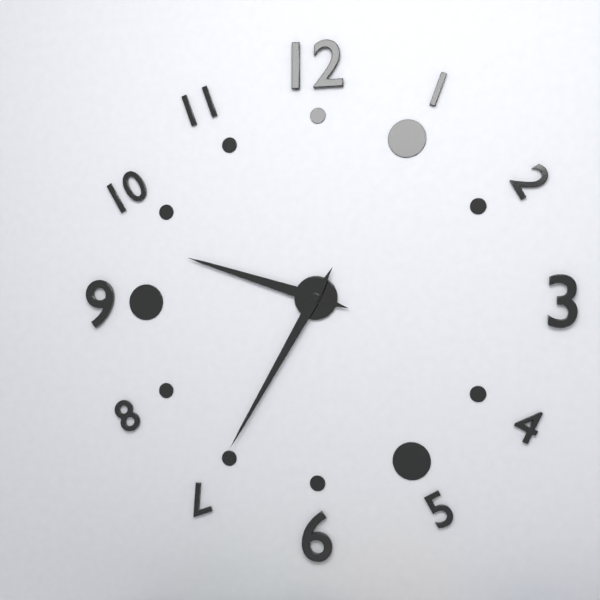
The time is 9,35
